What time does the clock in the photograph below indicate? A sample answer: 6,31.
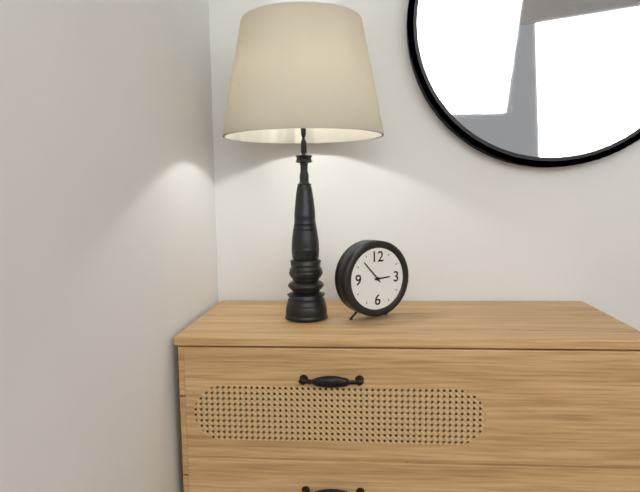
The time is 2,53
